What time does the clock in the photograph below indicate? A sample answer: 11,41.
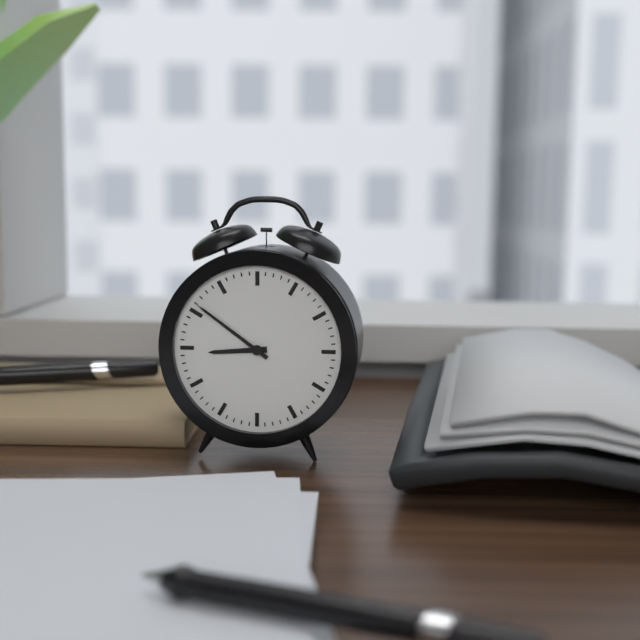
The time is 8,51
